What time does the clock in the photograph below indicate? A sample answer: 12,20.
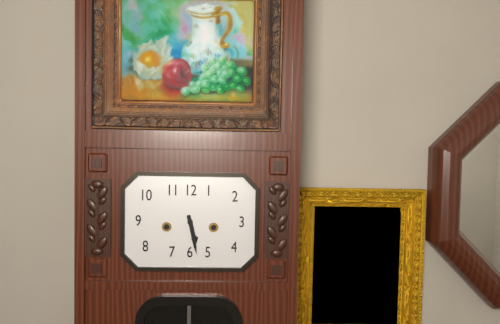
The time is 5,28
